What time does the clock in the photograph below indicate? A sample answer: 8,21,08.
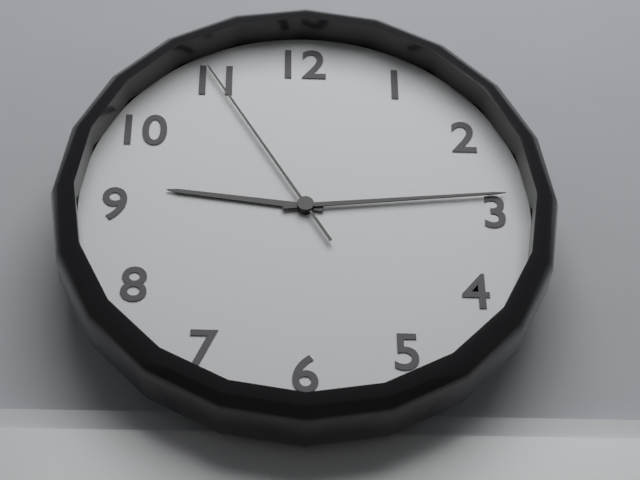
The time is 9,14,55
